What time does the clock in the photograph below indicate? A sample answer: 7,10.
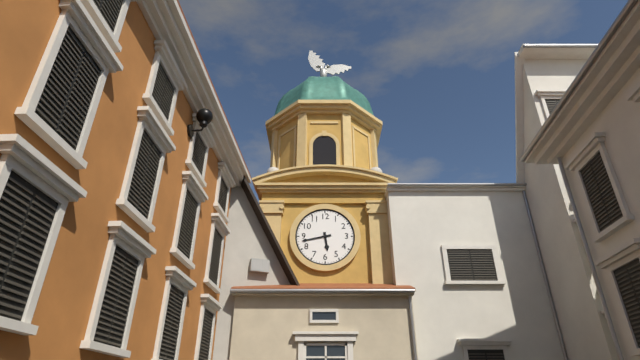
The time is 5,43
